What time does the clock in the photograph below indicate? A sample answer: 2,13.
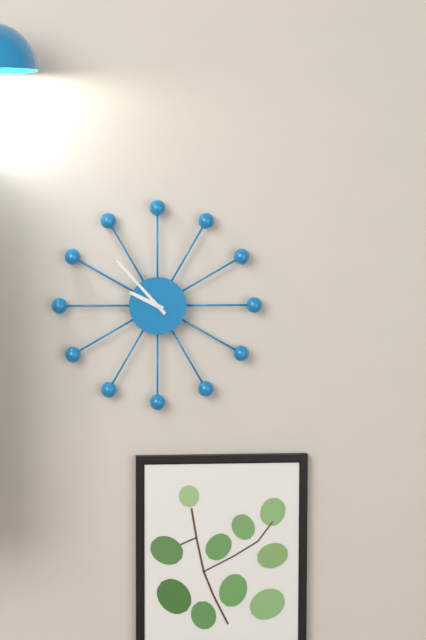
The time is 9,53
